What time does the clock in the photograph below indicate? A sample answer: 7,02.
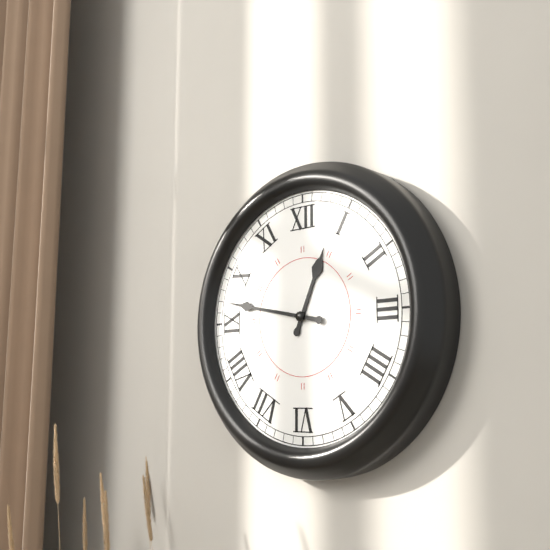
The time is 12,47
